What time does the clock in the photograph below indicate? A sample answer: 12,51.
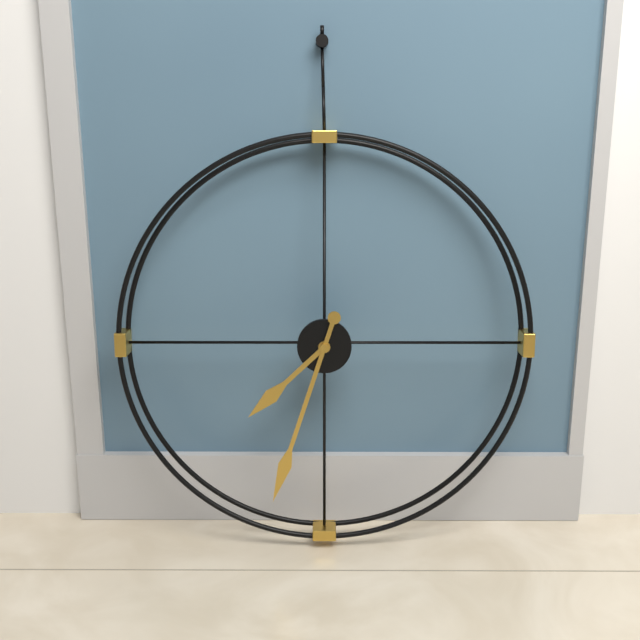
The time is 7,33
